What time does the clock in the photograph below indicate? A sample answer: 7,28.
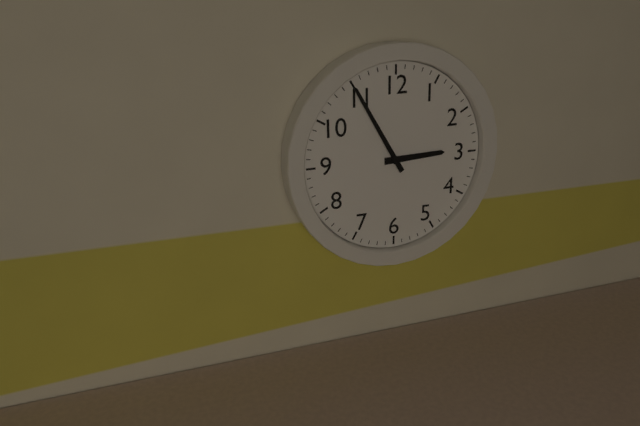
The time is 2,55
